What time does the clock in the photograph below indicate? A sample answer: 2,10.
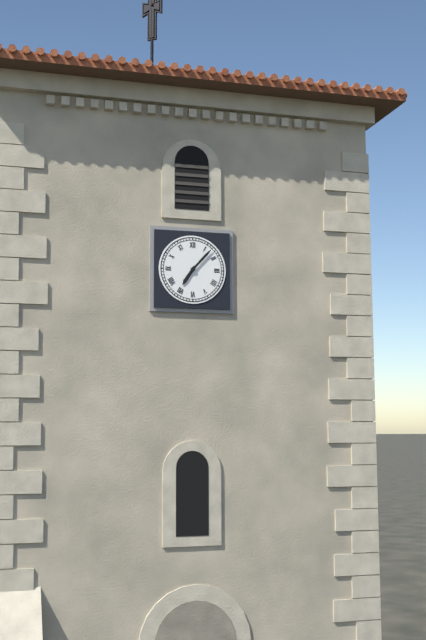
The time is 7,07
